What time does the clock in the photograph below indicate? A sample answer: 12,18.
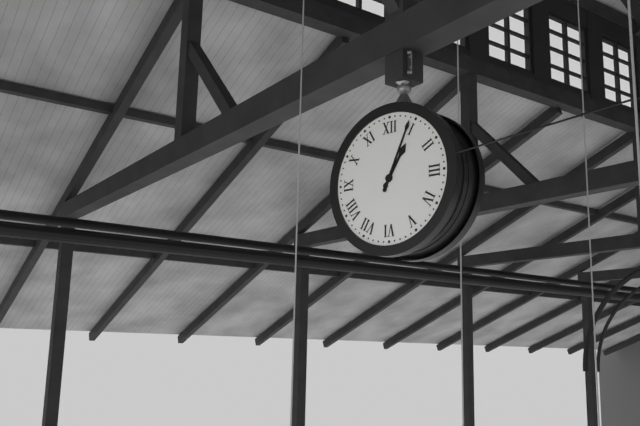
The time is 1,04
